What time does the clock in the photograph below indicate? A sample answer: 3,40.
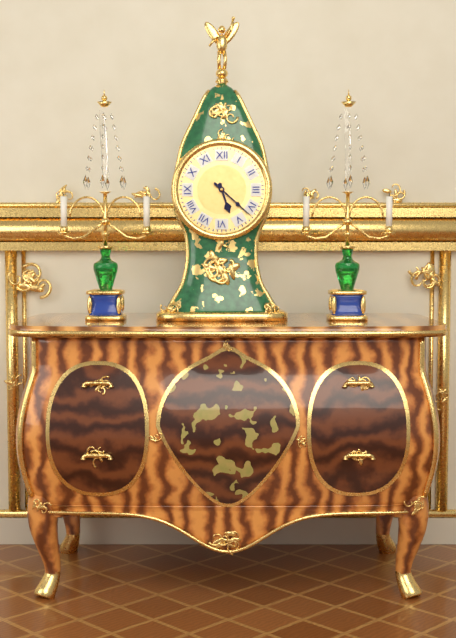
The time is 5,22
